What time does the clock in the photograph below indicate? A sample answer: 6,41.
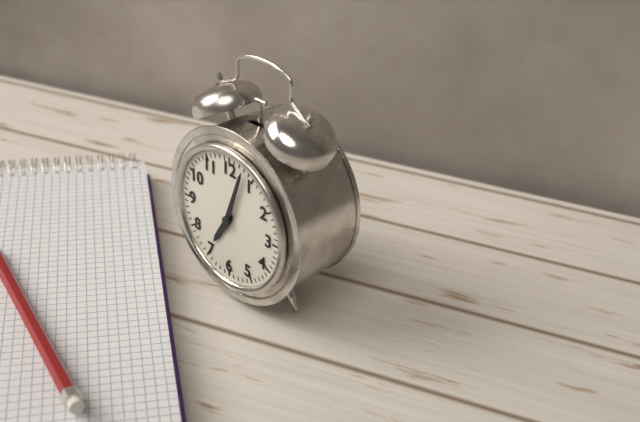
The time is 7,03
